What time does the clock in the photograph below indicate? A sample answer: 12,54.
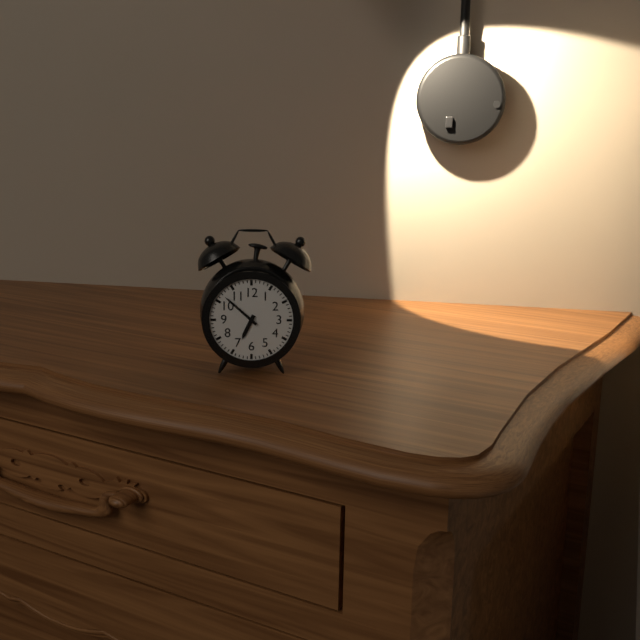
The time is 6,52
